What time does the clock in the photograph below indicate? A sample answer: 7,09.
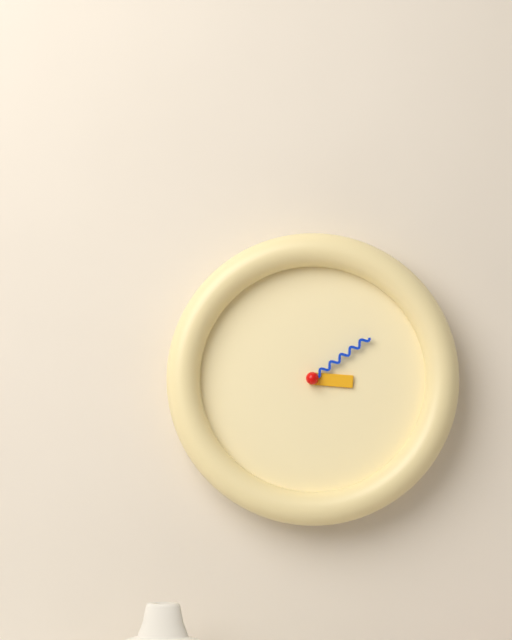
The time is 3,09
